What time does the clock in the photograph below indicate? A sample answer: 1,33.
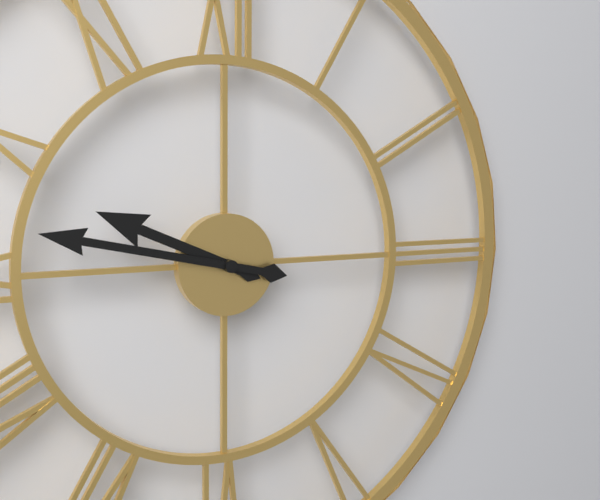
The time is 9,47
